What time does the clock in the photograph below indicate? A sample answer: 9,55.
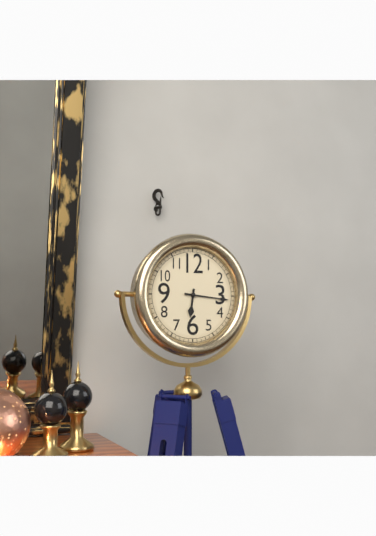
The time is 6,16
